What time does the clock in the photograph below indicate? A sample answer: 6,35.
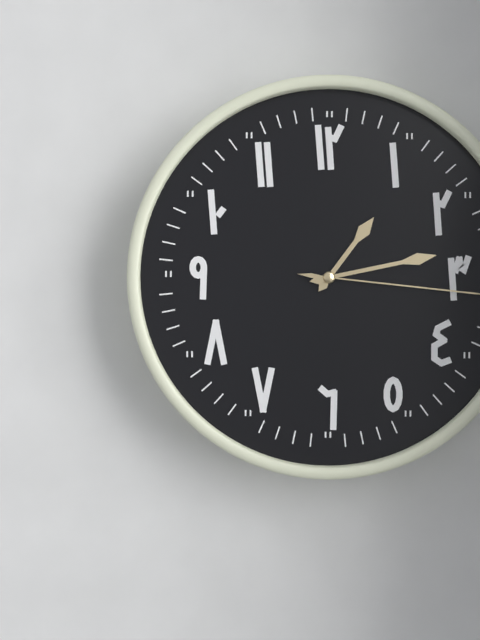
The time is 1,13
